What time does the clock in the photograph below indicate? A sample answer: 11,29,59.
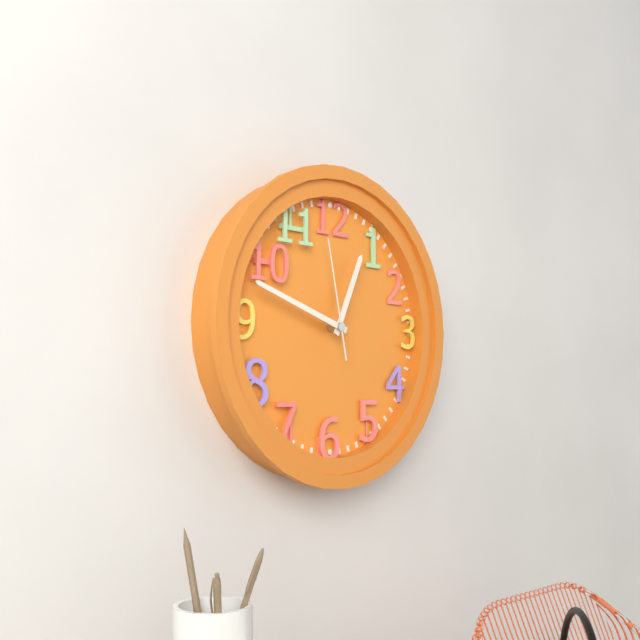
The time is 12,48,58
